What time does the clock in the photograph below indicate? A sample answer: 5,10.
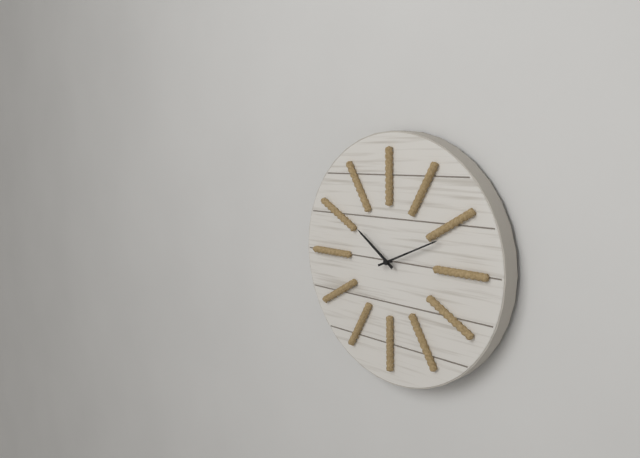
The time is 10,11
